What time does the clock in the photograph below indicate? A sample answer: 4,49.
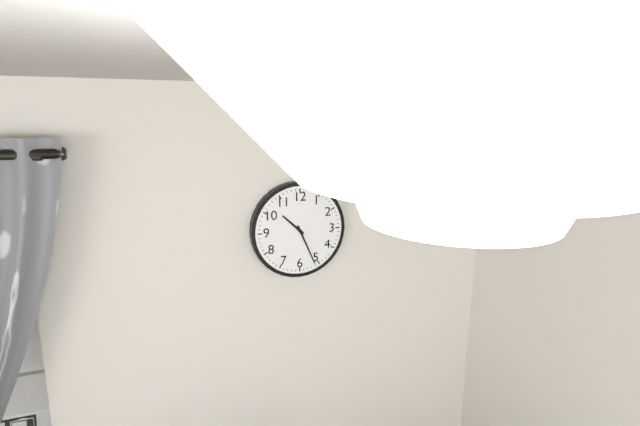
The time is 10,26
